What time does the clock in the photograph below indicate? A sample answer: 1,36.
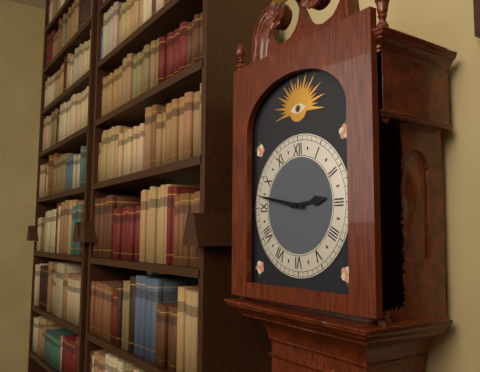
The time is 2,47
